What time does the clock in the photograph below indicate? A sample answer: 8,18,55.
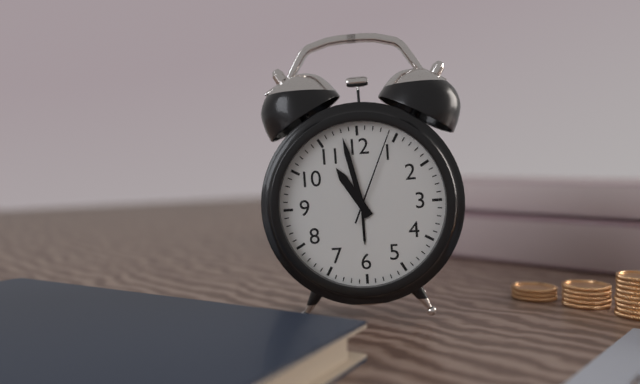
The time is 10,58,04
